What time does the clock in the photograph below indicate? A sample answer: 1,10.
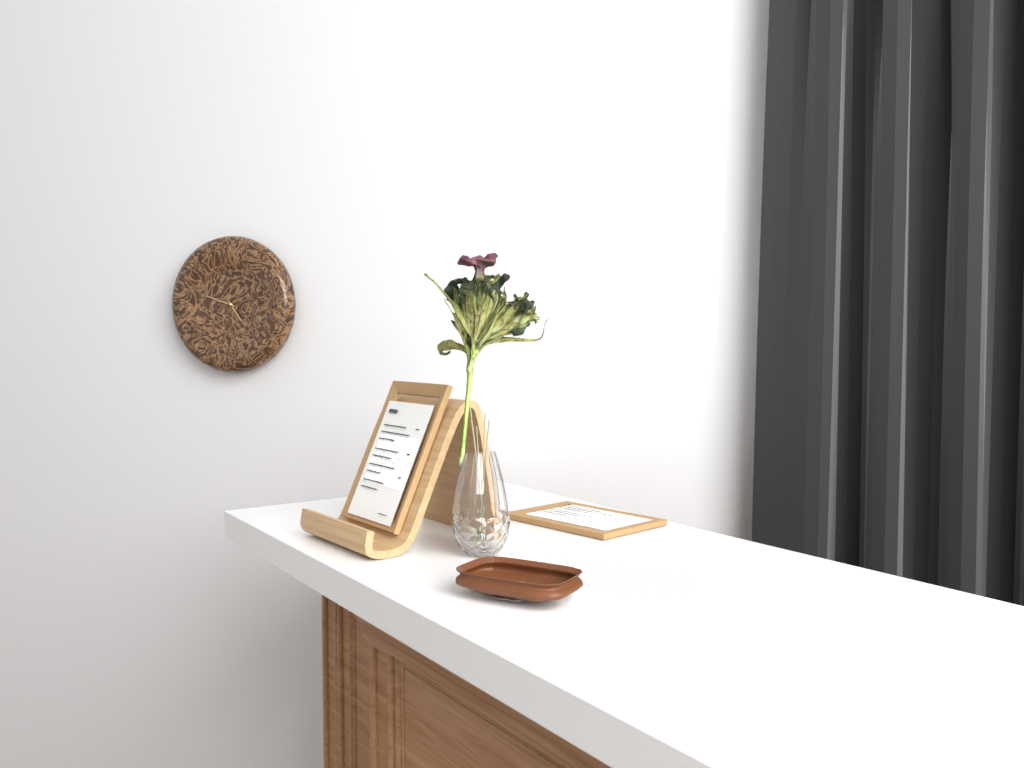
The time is 4,48
